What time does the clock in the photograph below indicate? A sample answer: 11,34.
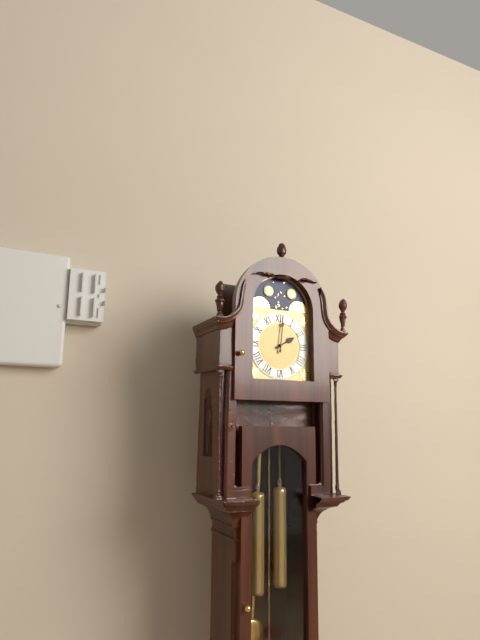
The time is 2,01
